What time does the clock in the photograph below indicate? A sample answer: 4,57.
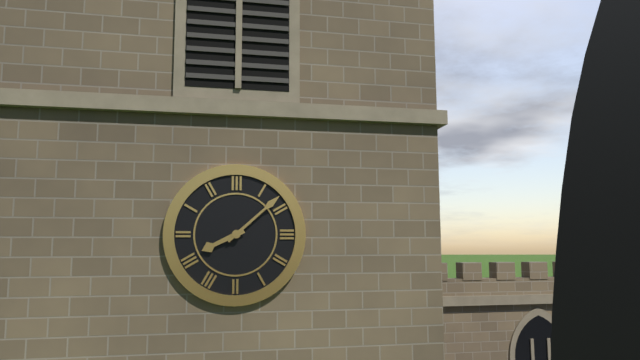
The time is 8,08
